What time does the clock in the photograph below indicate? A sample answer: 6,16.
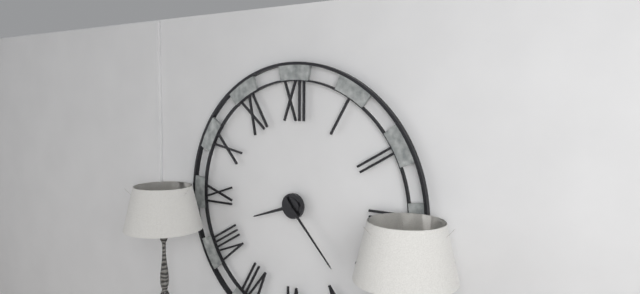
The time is 8,23
